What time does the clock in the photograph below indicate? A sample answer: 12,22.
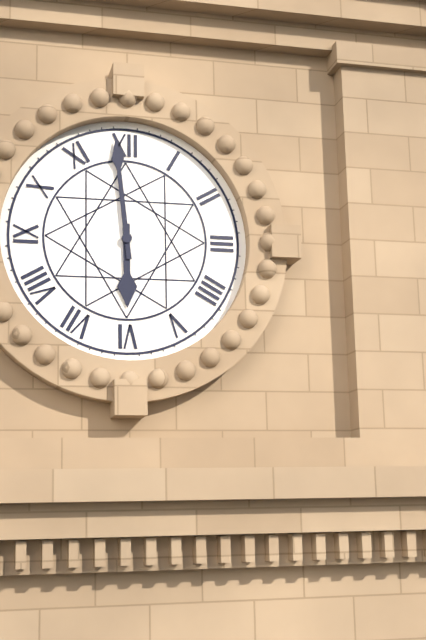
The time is 5,59
